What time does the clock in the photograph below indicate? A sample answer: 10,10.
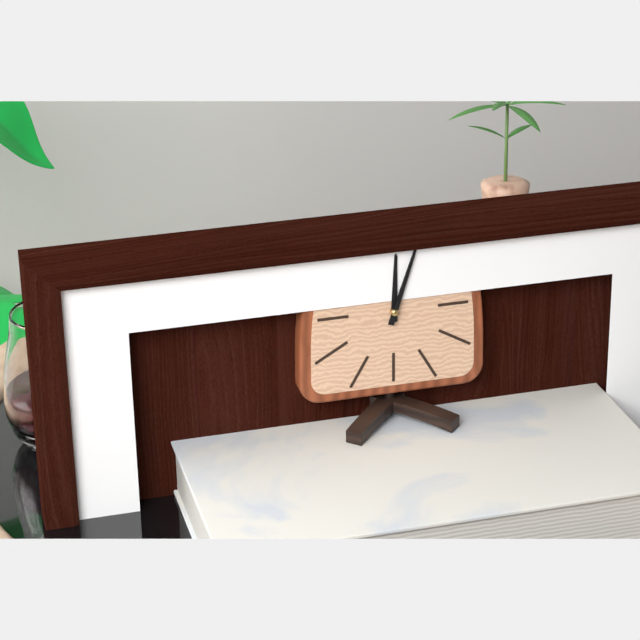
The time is 12,03
